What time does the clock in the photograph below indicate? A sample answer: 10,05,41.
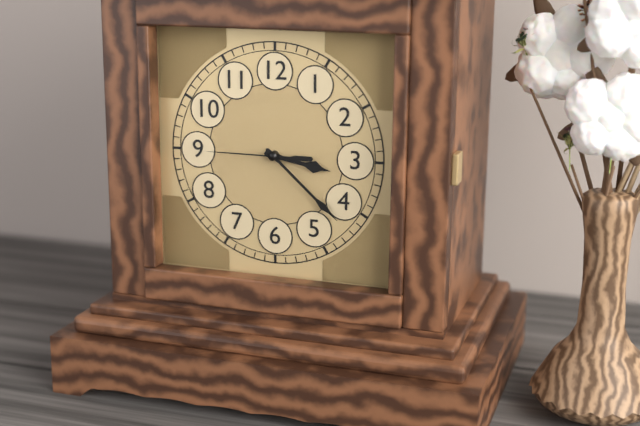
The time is 3,22,45
